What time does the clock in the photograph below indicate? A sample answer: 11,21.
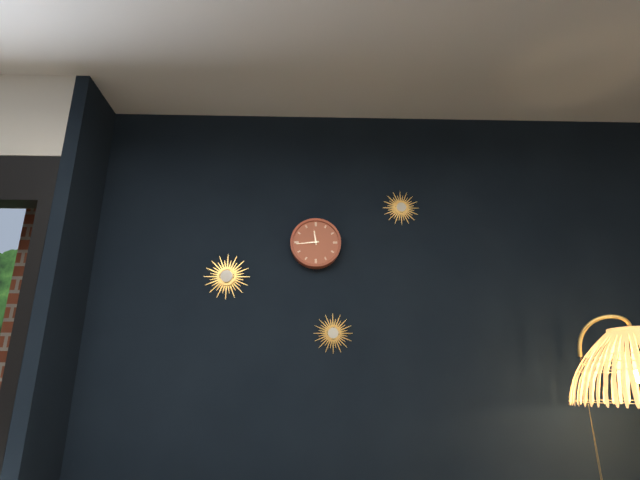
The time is 11,44
